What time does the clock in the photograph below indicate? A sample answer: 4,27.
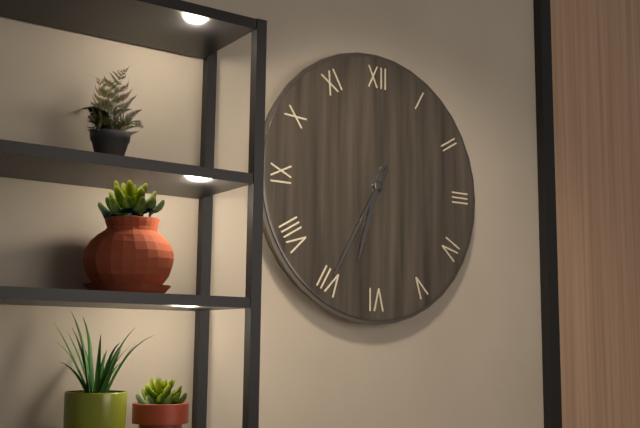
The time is 6,35
